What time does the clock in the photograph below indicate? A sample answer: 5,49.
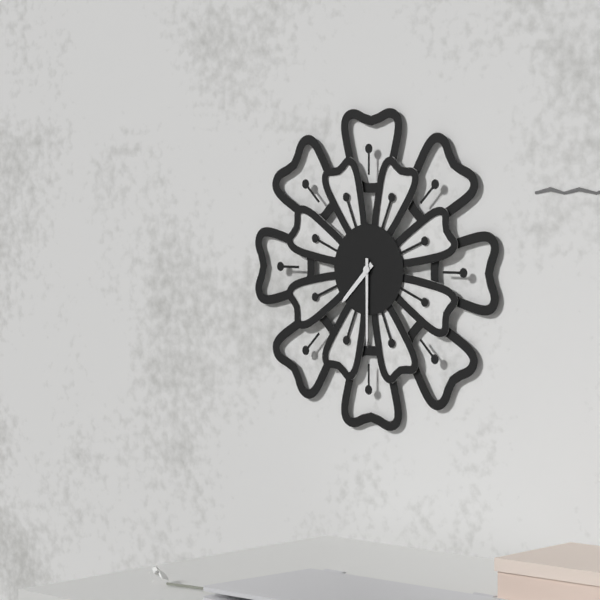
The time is 7,30
